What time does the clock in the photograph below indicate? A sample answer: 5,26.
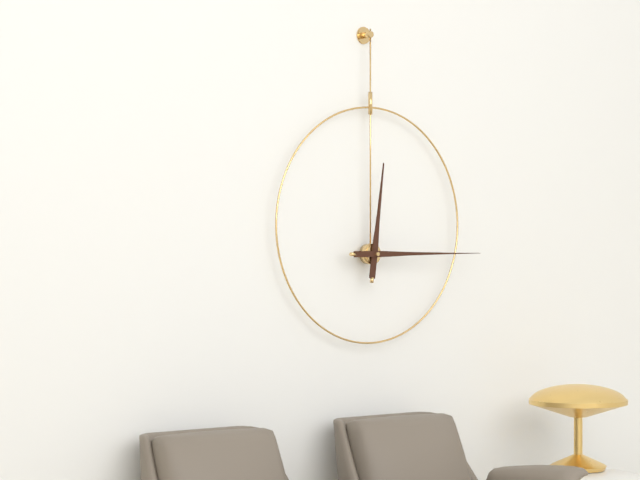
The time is 12,15
